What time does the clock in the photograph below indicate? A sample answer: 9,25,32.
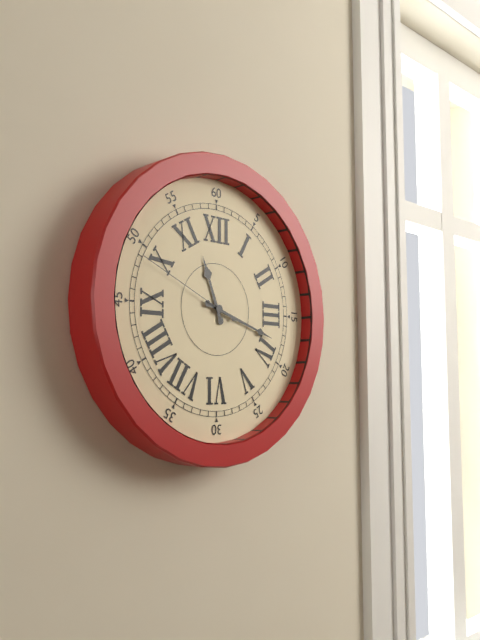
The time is 11,18,49
